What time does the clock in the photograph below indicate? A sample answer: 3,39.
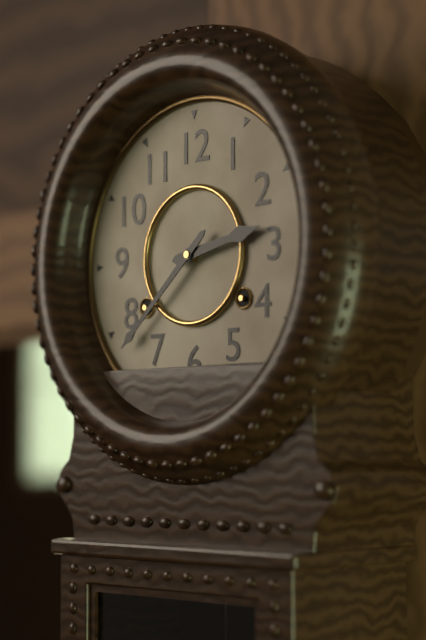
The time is 2,38
